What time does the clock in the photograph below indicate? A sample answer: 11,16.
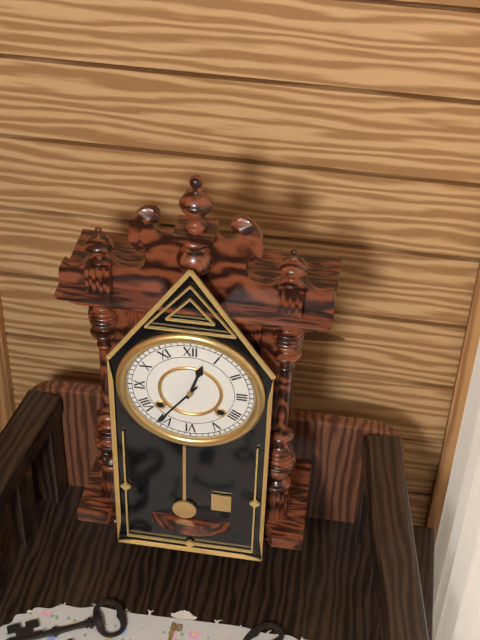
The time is 12,36
